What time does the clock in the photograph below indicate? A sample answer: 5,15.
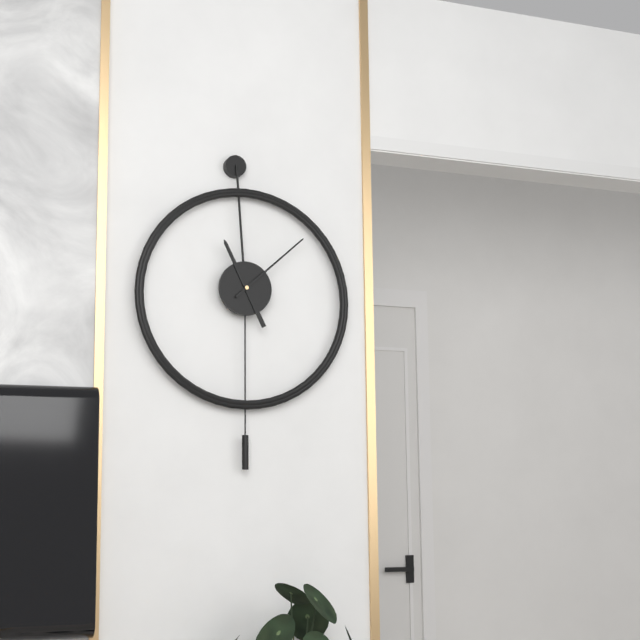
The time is 11,08
